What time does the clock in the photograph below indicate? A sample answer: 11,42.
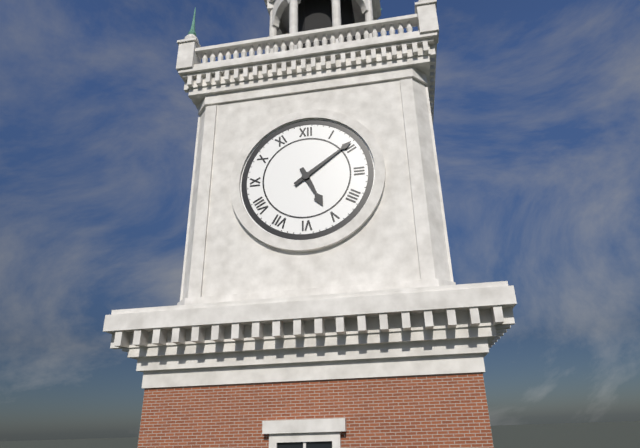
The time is 5,09
